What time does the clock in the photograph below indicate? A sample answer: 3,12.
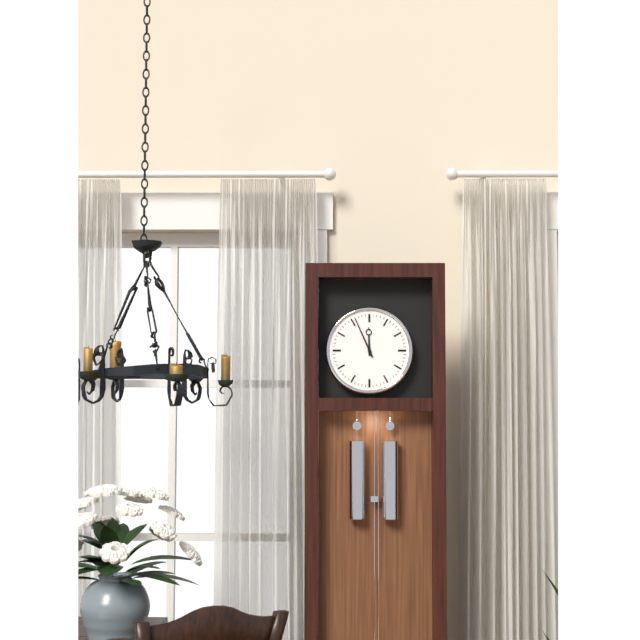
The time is 11,56
